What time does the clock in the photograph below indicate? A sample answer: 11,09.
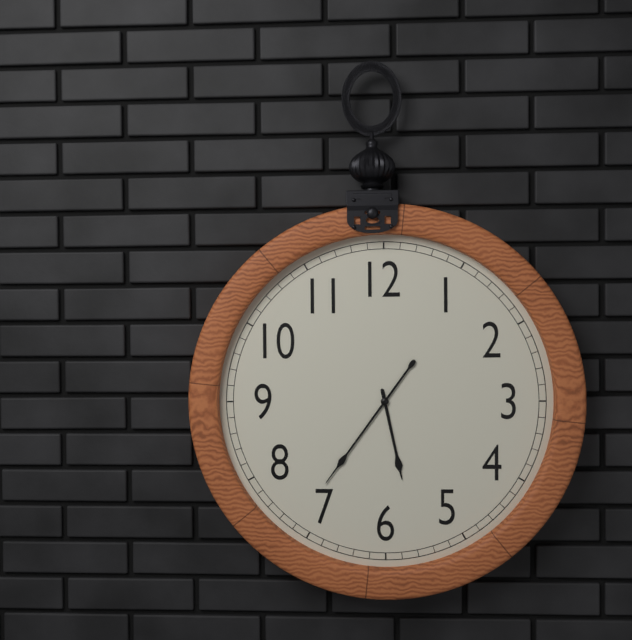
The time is 5,36
